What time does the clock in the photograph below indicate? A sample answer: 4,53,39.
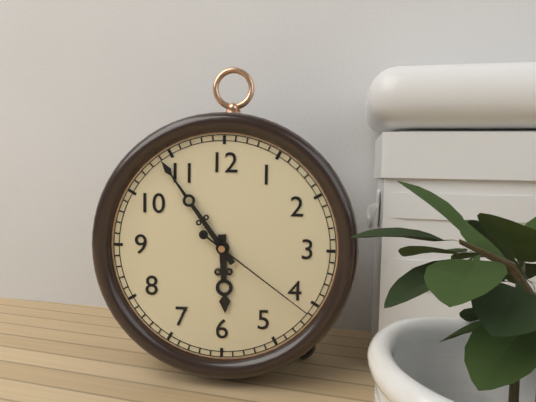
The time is 5,54,21
